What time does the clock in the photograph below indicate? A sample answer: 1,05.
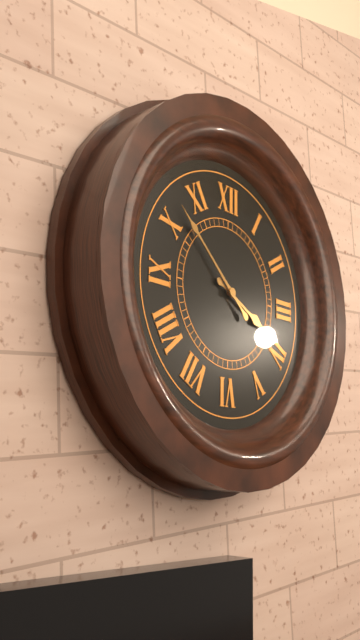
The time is 3,52
